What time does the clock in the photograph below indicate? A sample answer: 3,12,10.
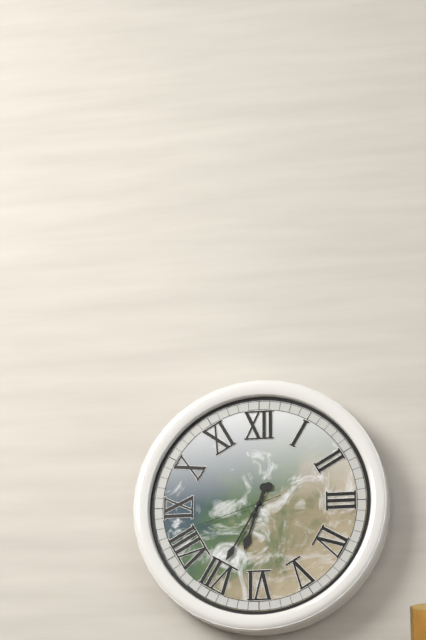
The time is 6,35,42
